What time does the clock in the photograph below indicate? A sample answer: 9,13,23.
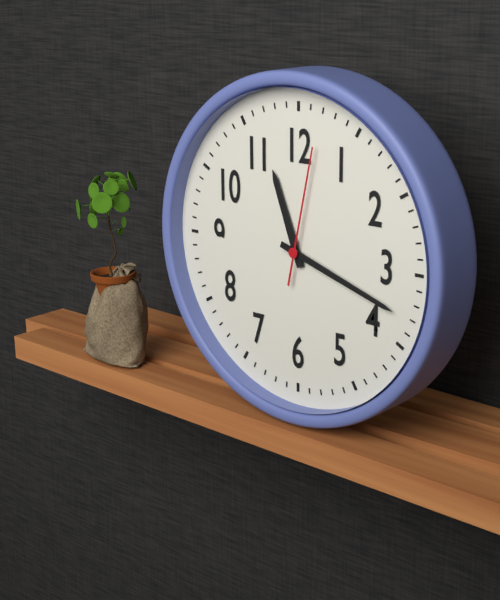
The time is 11,18,02
